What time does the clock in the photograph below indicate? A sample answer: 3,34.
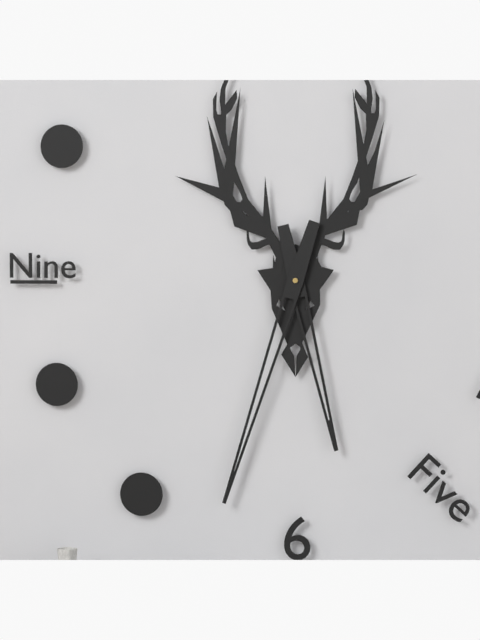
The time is 5,33
